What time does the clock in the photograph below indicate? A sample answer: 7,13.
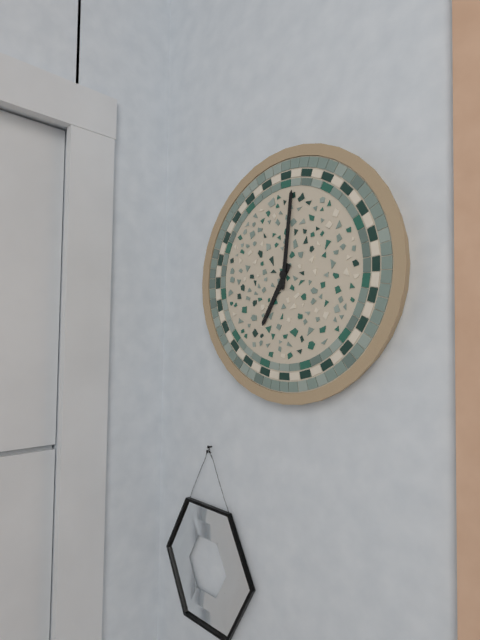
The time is 7,01
